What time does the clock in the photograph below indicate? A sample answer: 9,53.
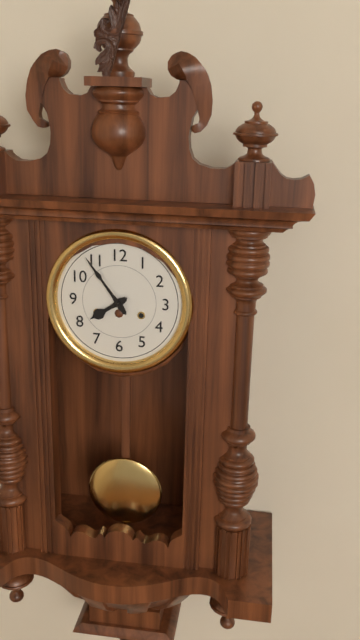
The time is 7,54
